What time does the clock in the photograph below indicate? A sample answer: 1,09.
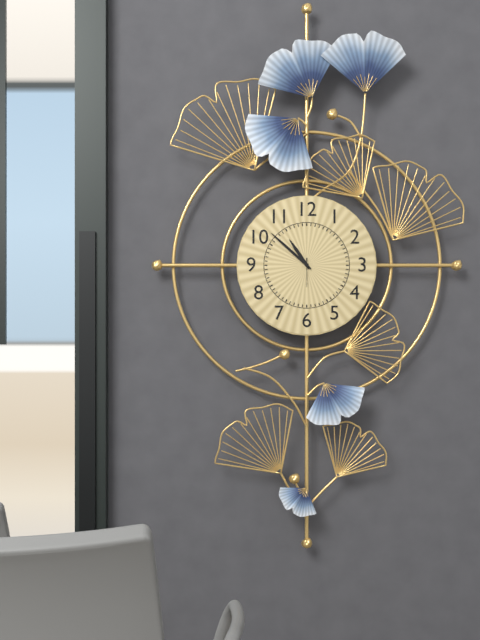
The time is 10,52
